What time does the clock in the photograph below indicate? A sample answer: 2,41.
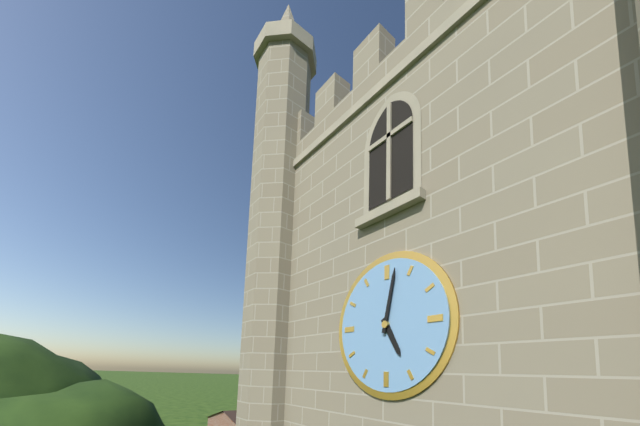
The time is 5,02
